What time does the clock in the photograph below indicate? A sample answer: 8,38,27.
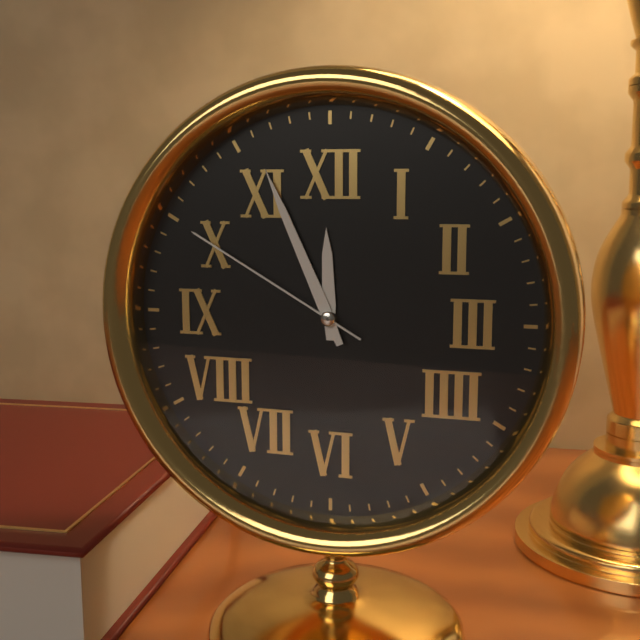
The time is 11,56,50
